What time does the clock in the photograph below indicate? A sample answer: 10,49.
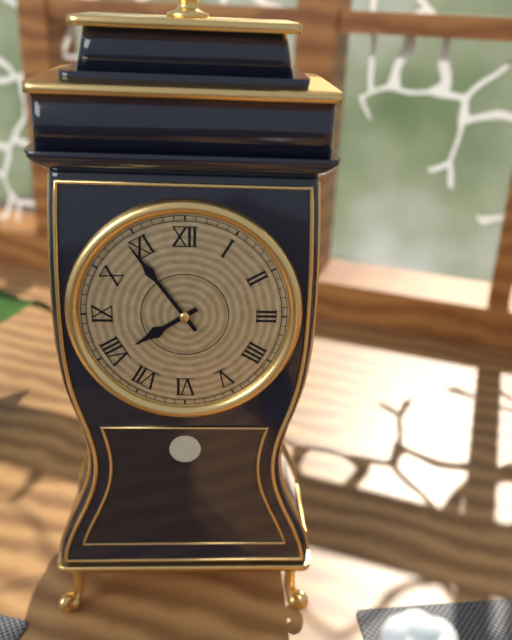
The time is 7,54
